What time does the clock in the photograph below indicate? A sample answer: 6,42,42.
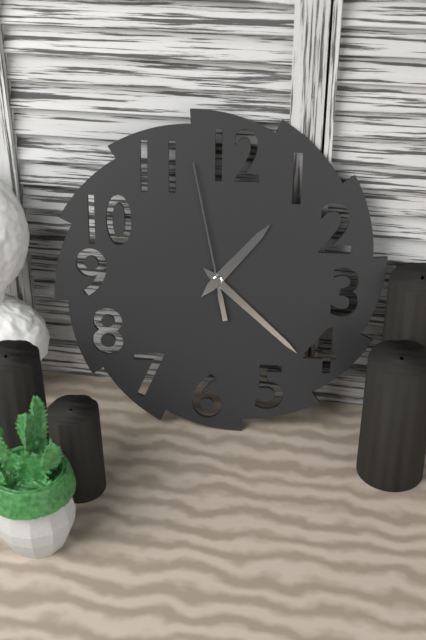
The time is 1,22,58
